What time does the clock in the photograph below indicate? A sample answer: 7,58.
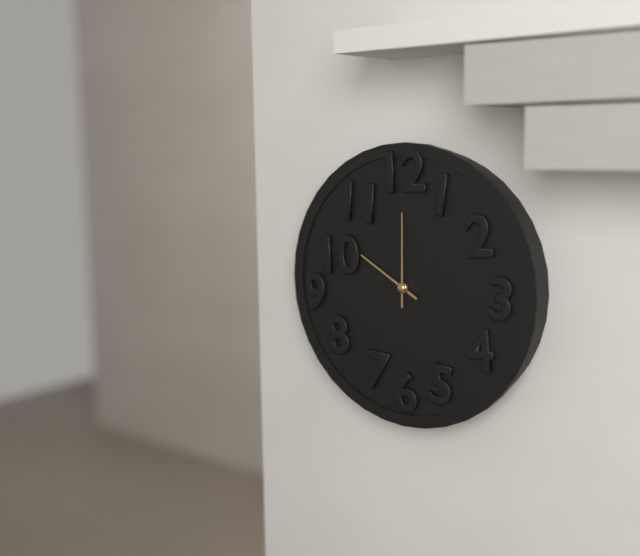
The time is 10,00
